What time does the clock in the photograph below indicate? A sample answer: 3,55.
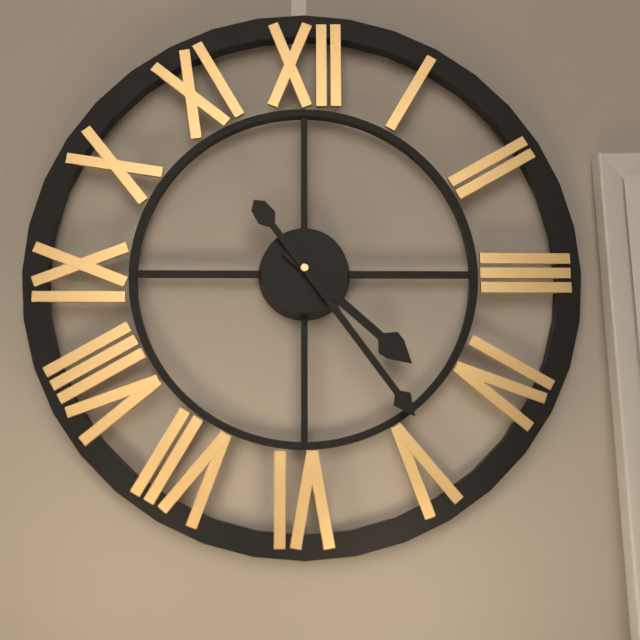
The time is 4,24
